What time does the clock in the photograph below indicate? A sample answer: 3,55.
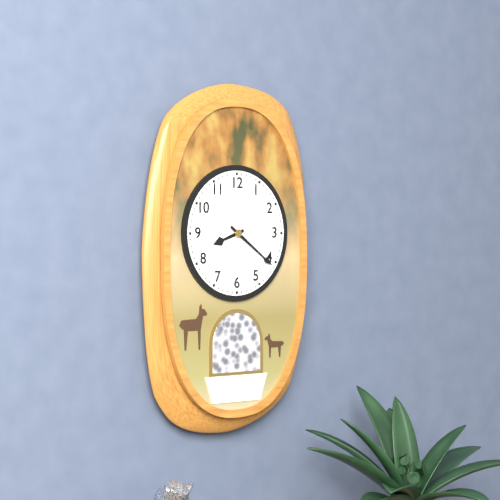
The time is 8,21
